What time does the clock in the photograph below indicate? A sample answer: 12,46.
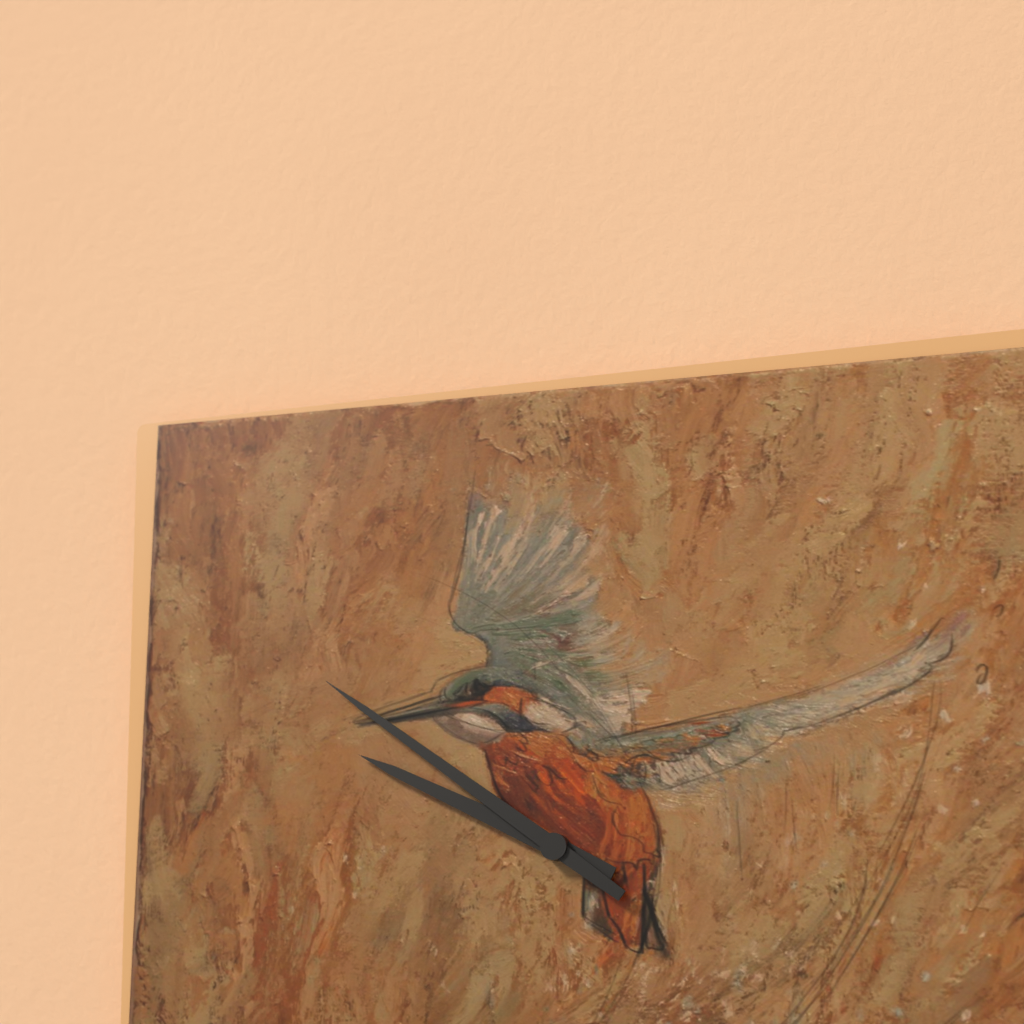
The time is 9,51
